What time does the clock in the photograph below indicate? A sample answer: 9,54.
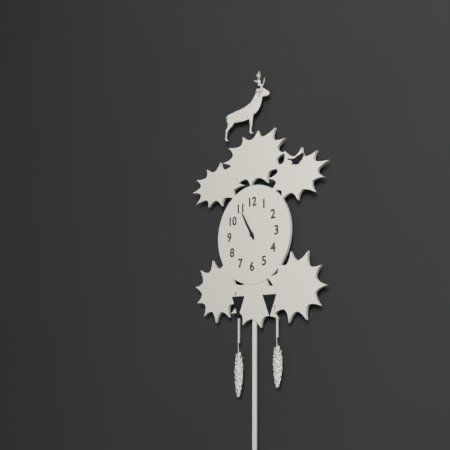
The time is 10,55
